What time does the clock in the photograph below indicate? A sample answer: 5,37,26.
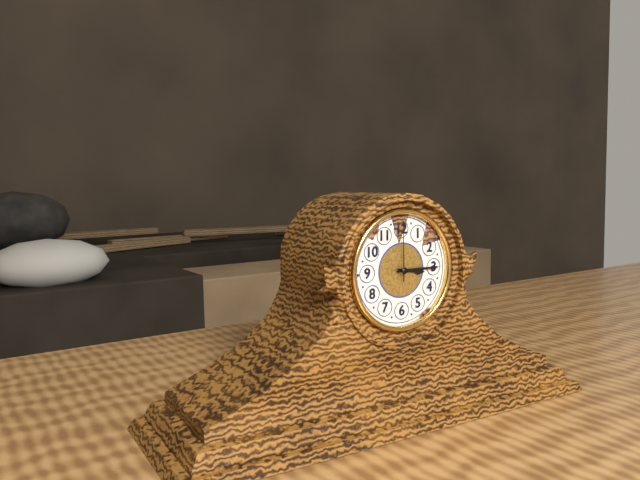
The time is 3,15,00
